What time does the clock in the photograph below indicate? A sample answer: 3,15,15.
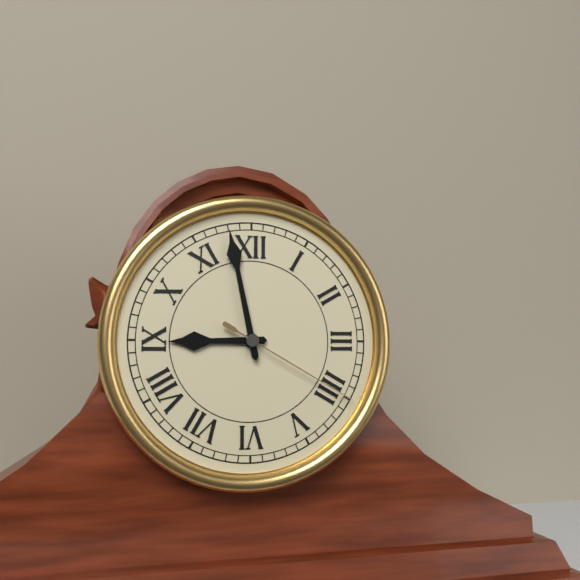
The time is 8,58,20
